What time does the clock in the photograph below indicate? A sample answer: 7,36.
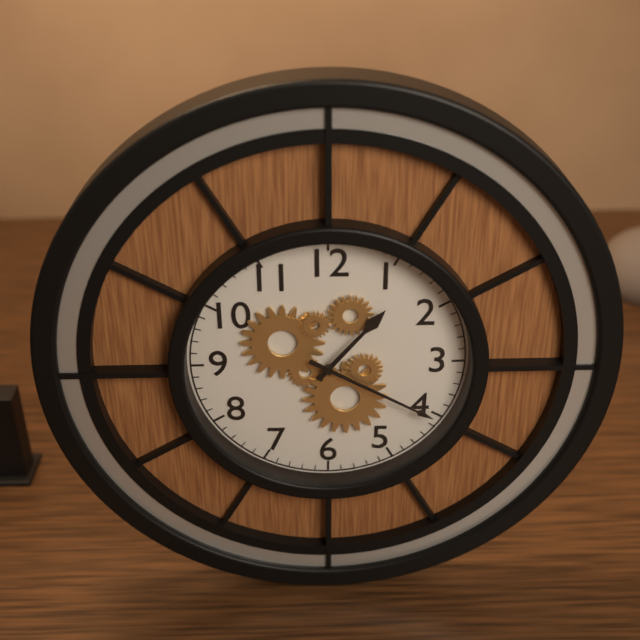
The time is 1,20
